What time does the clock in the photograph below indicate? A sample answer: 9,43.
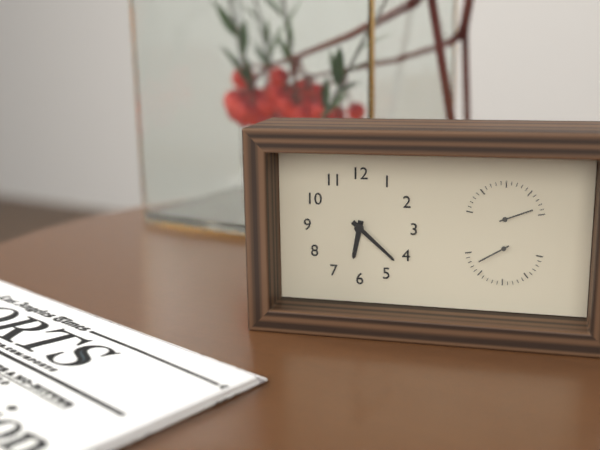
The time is 6,22
